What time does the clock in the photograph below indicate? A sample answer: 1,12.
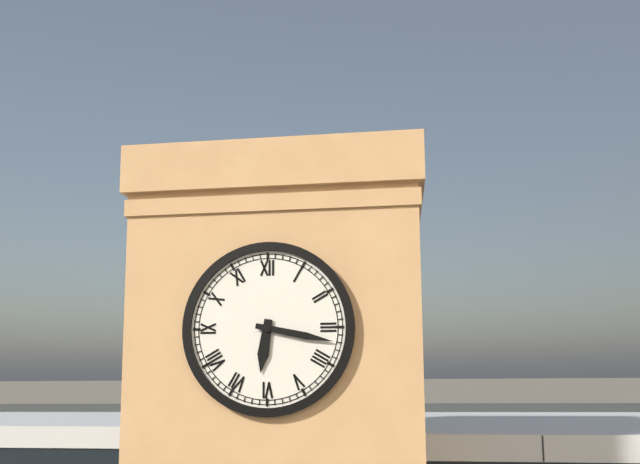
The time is 6,17
